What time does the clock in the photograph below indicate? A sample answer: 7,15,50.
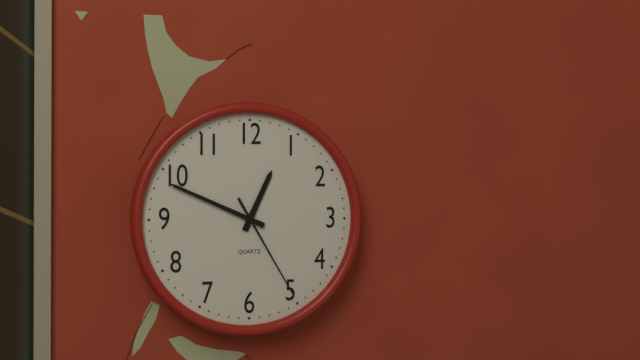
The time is 12,49,25
